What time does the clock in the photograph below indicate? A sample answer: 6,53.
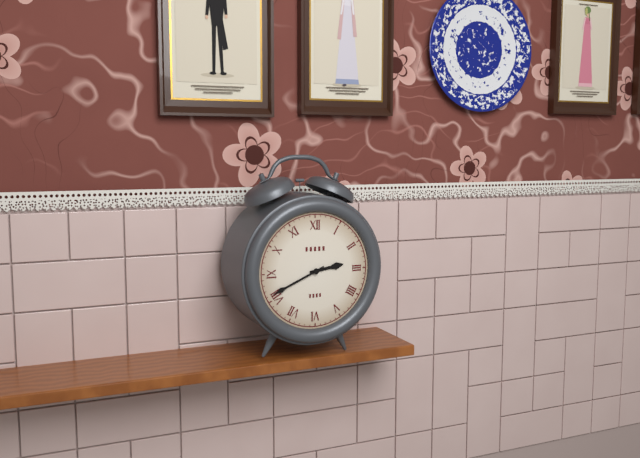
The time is 2,41
